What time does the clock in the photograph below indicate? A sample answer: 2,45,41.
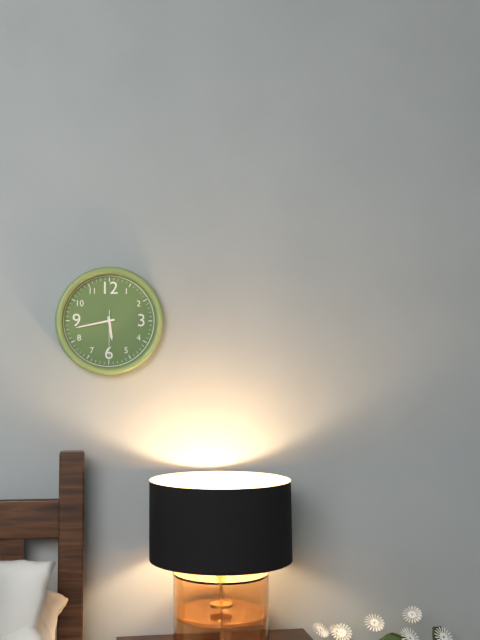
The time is 5,43,30
